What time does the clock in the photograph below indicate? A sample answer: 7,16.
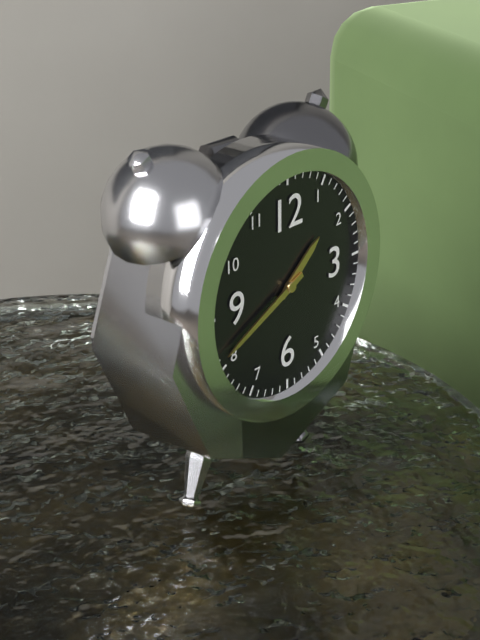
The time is 1,41
